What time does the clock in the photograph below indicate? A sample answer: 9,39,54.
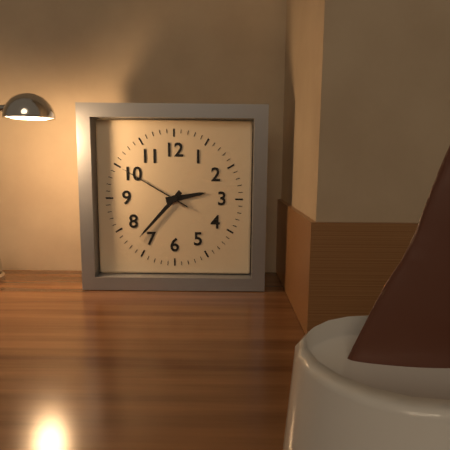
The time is 2,37,50
